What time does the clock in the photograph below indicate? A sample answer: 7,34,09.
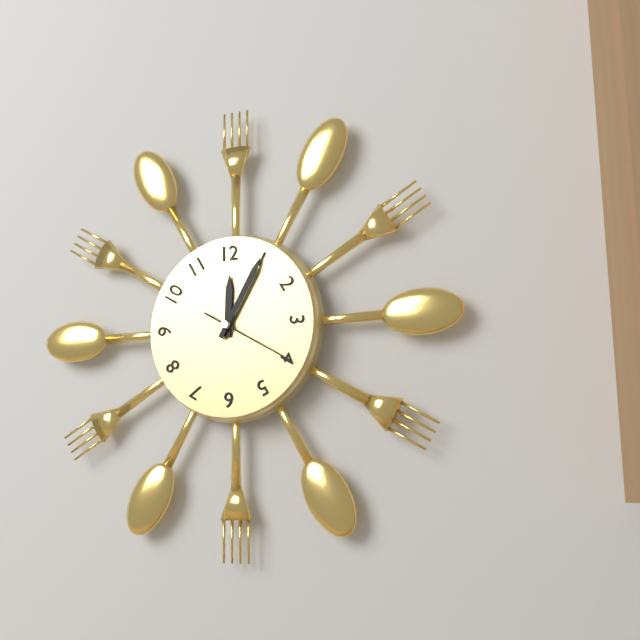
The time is 12,05,20
